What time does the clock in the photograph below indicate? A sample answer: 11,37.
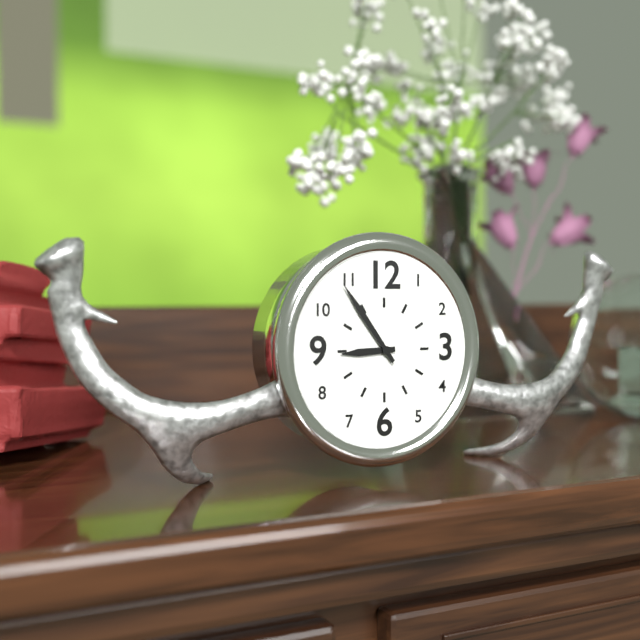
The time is 8,54
